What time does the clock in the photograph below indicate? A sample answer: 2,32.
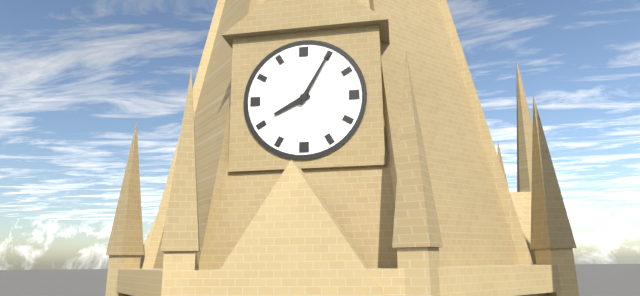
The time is 8,05
